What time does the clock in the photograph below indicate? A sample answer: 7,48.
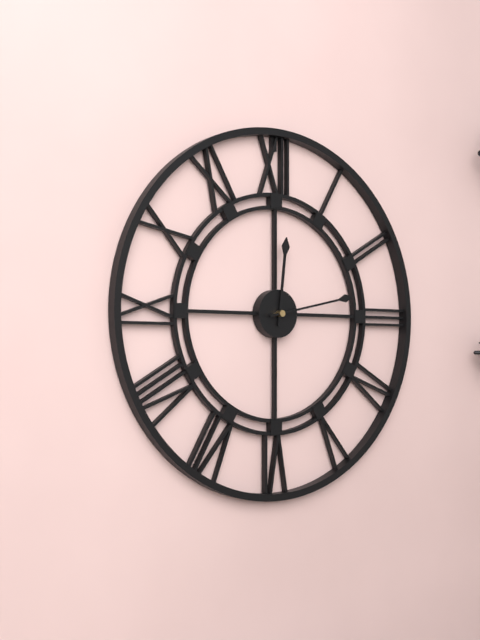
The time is 12,13
